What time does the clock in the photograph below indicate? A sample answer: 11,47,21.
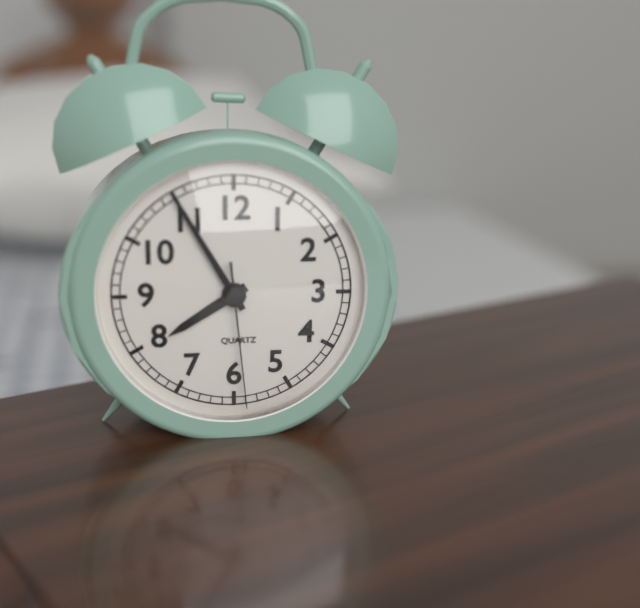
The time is 7,55,29
